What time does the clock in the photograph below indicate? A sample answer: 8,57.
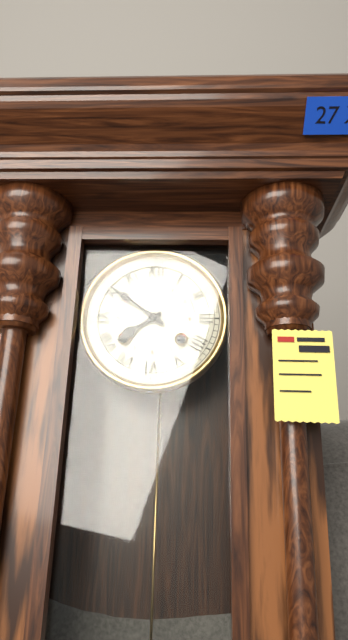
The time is 7,51
